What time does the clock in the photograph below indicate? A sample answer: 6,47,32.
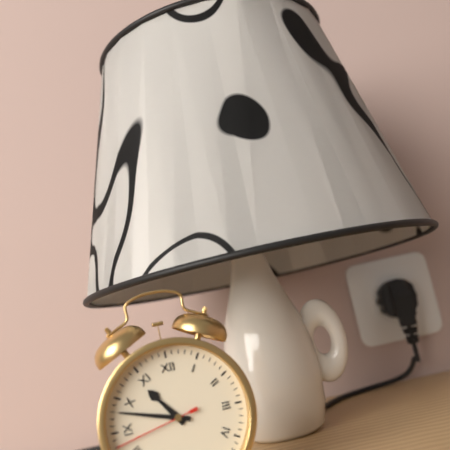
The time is 10,48,43
